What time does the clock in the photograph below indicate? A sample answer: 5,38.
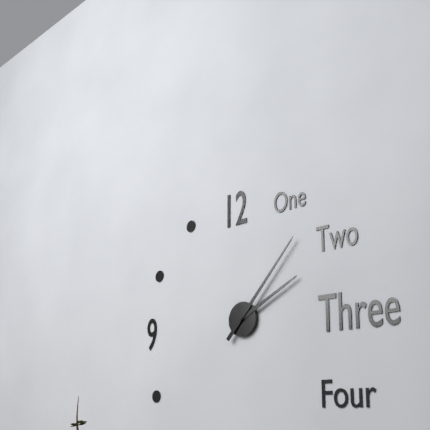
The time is 2,07
